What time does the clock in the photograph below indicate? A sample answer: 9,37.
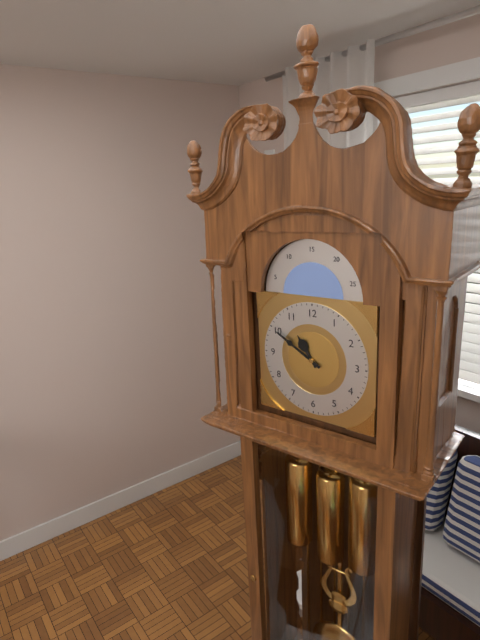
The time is 10,50
